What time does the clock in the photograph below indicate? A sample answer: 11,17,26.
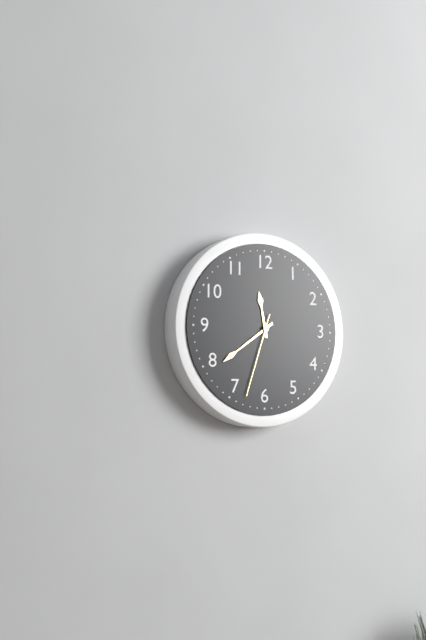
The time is 11,39,33
